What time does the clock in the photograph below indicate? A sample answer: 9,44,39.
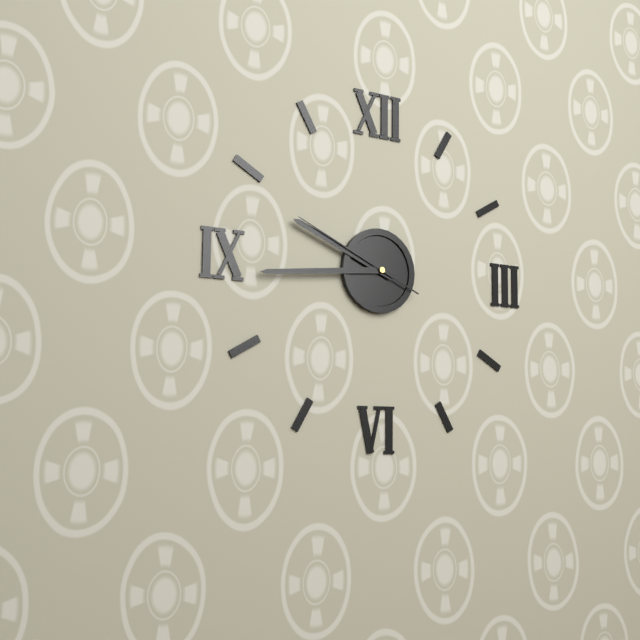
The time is 9,44,49
